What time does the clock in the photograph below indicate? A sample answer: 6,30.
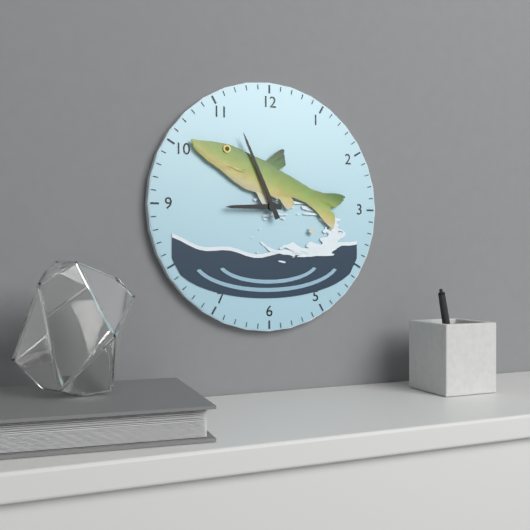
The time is 8,56
